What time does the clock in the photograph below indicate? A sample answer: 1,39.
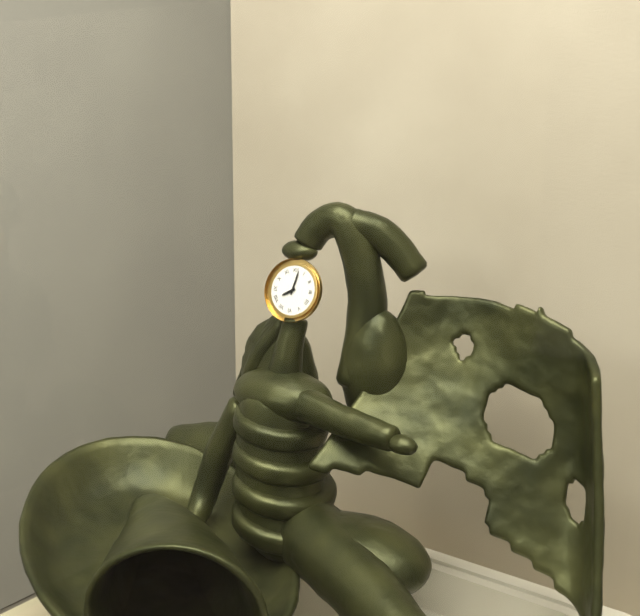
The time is 8,02
